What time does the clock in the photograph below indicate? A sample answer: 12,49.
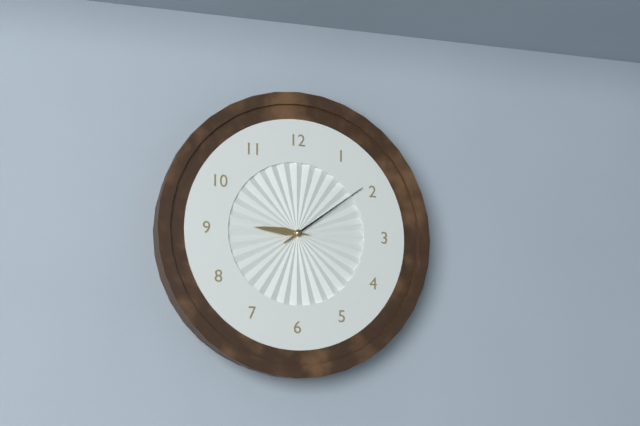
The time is 9,09
